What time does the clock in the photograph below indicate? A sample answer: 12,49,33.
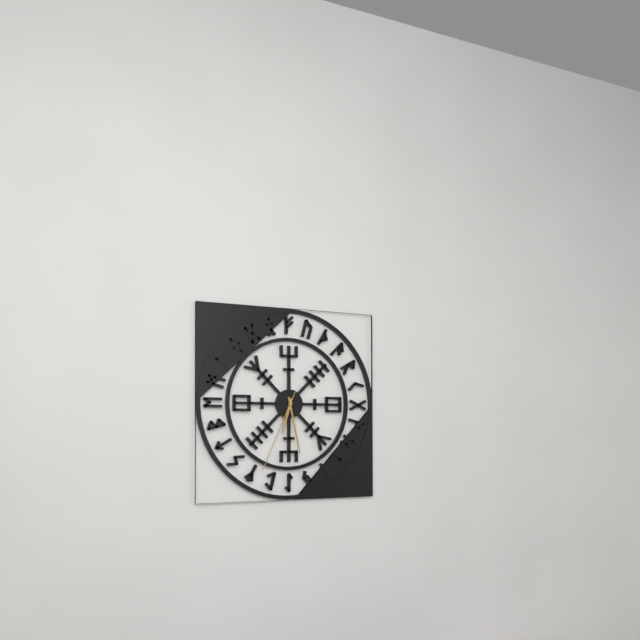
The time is 6,28,34
